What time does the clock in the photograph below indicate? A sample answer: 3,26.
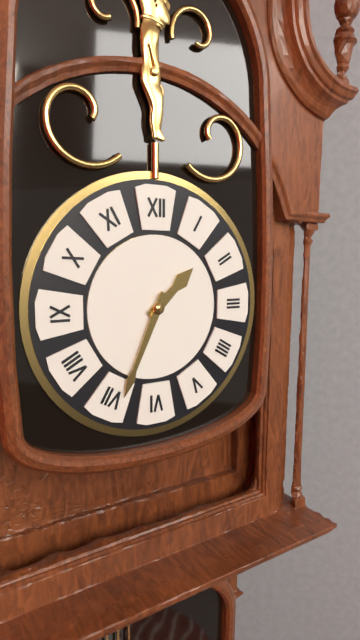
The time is 1,34
